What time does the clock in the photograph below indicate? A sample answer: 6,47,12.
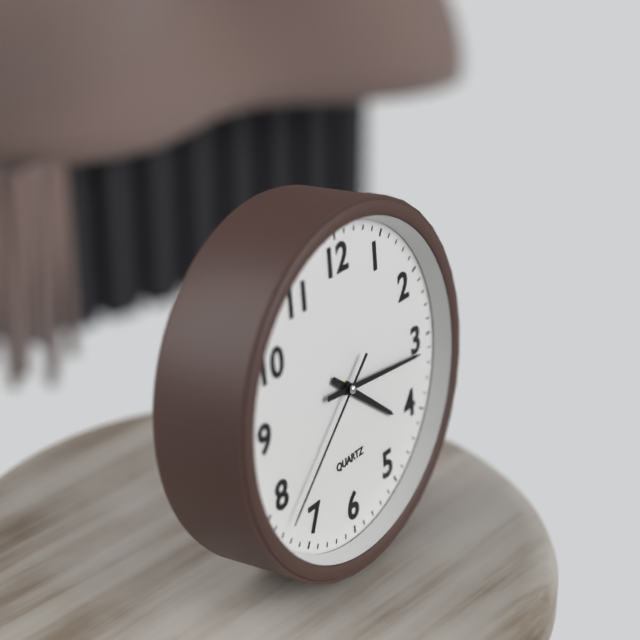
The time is 4,16,38
